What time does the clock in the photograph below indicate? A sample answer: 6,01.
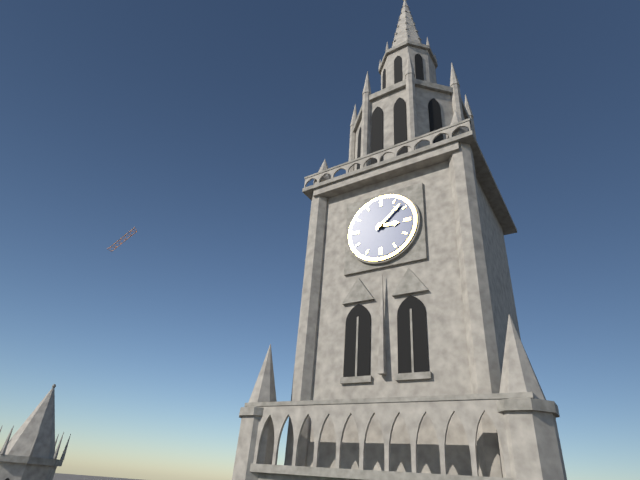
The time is 3,08
